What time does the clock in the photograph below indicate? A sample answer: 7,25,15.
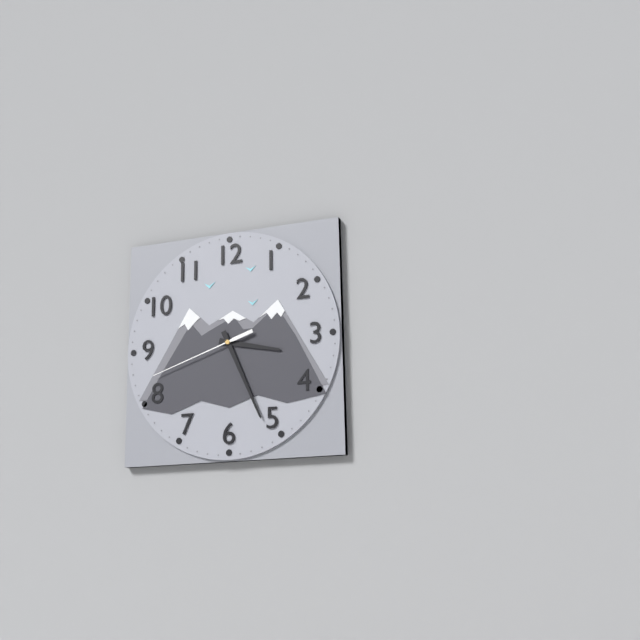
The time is 3,26,42
